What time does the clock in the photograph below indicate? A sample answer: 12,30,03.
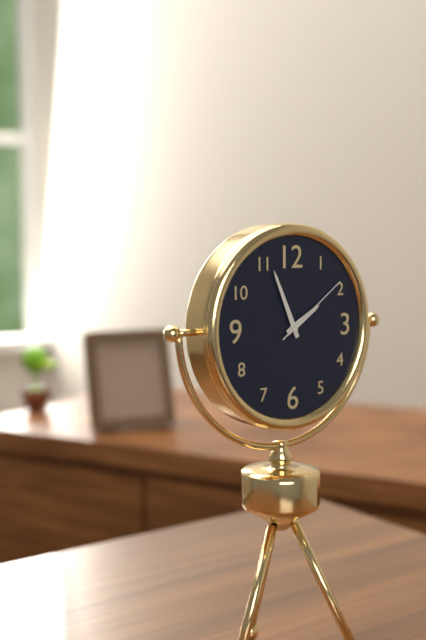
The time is 1,56,09
